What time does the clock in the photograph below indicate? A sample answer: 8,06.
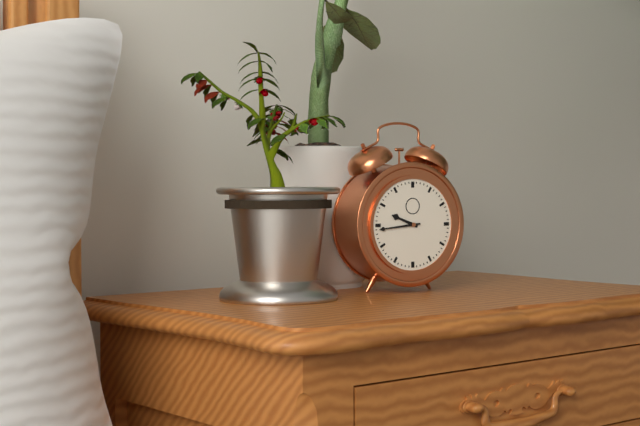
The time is 9,44
